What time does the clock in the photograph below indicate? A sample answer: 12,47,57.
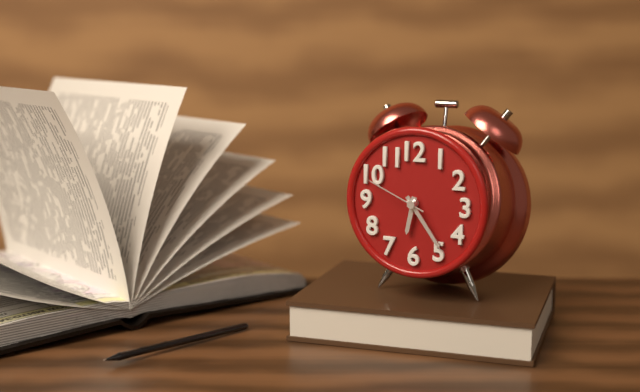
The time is 6,24,49
